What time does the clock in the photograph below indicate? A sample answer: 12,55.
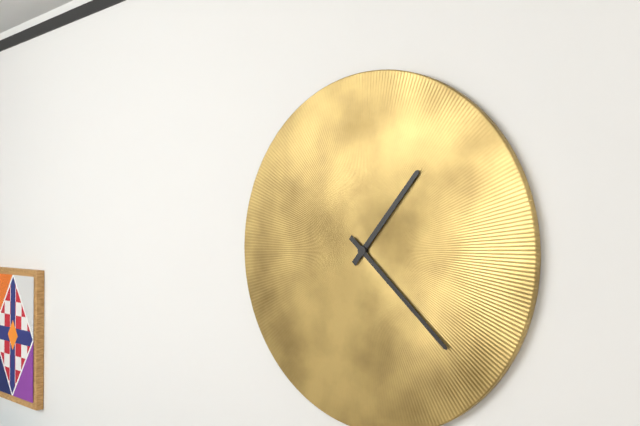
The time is 1,22
